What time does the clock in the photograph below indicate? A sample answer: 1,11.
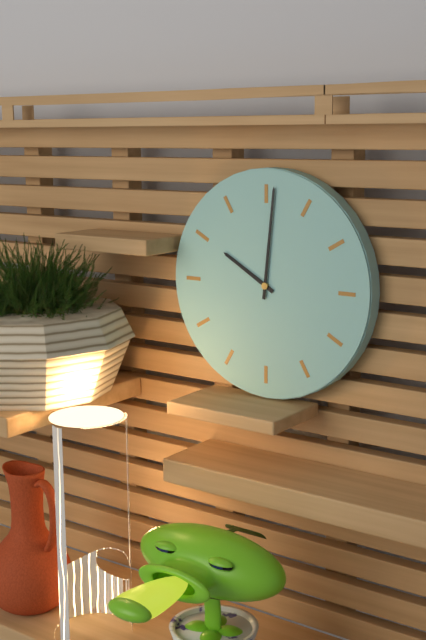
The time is 10,01
